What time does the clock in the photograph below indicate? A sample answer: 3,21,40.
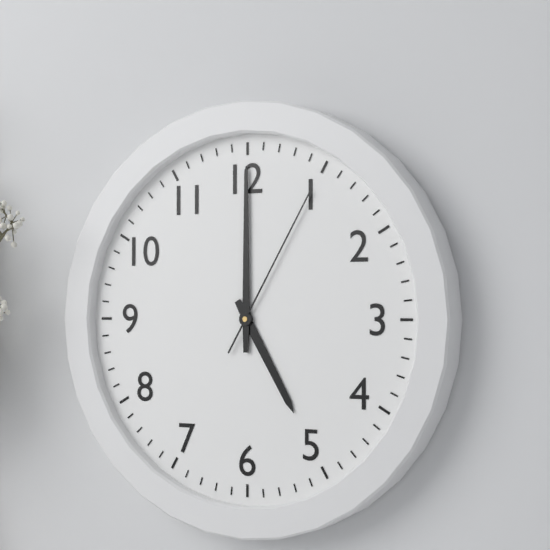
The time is 5,00,05
